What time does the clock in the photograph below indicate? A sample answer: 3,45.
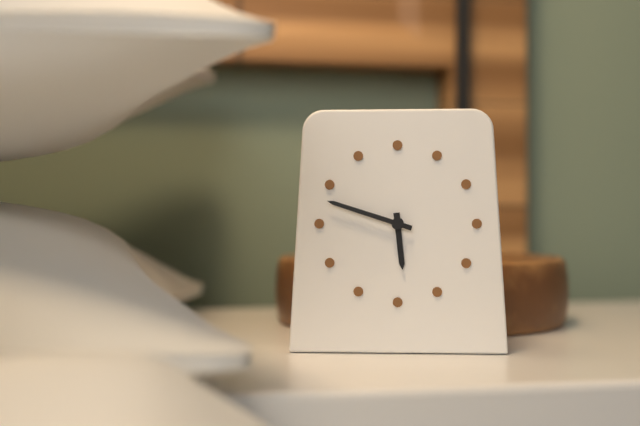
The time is 5,48
